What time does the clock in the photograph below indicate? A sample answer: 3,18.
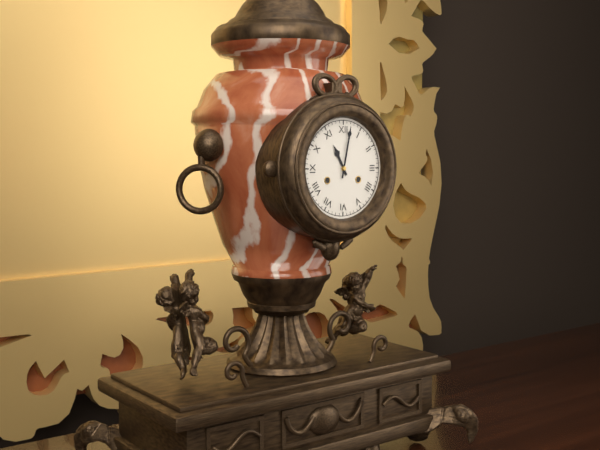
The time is 11,02
